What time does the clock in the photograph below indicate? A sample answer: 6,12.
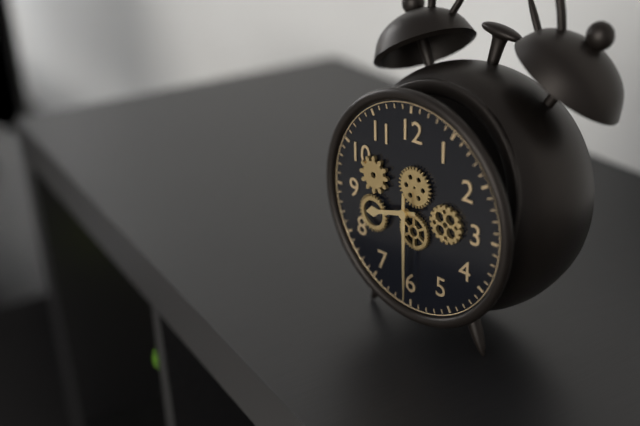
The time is 8,30
